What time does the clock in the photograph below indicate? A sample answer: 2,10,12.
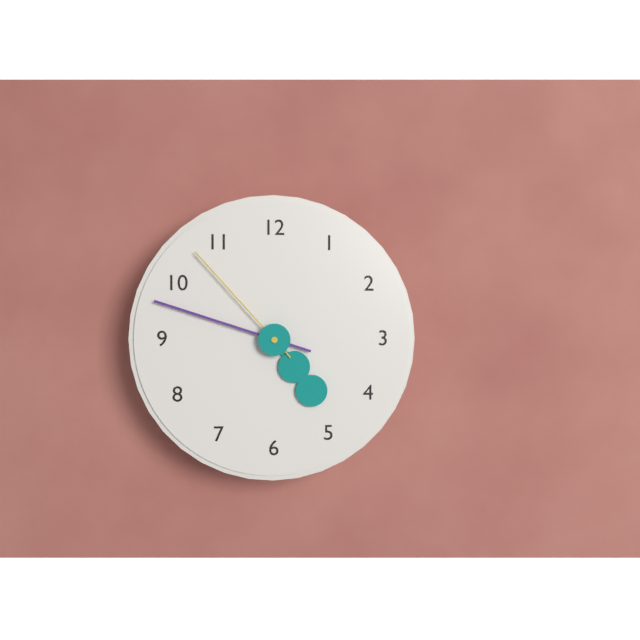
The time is 4,48,53
